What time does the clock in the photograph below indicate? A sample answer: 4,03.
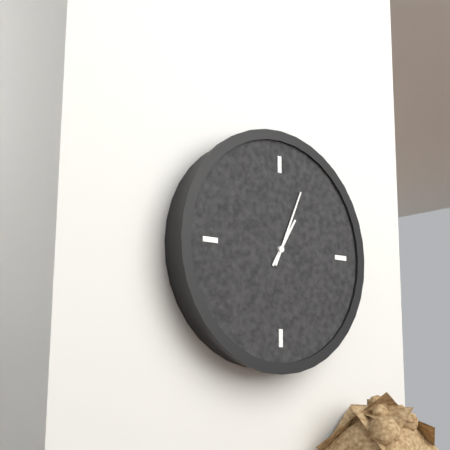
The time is 1,04
